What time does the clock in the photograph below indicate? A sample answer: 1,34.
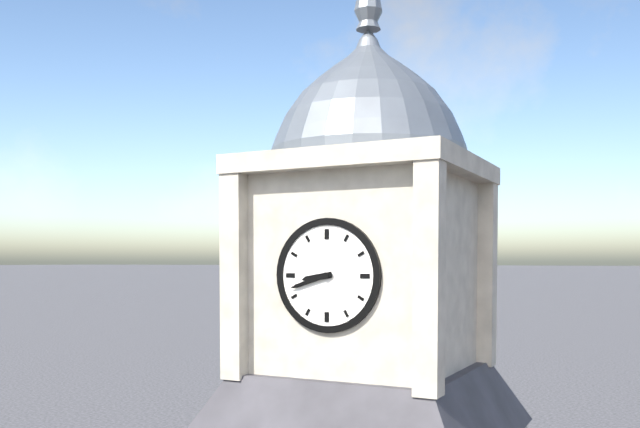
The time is 8,42
